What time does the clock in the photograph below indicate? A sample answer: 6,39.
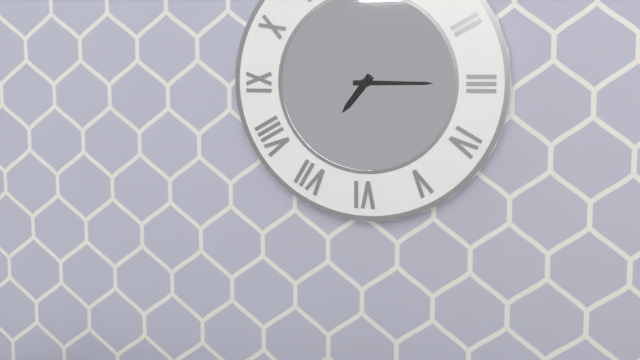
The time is 7,15
